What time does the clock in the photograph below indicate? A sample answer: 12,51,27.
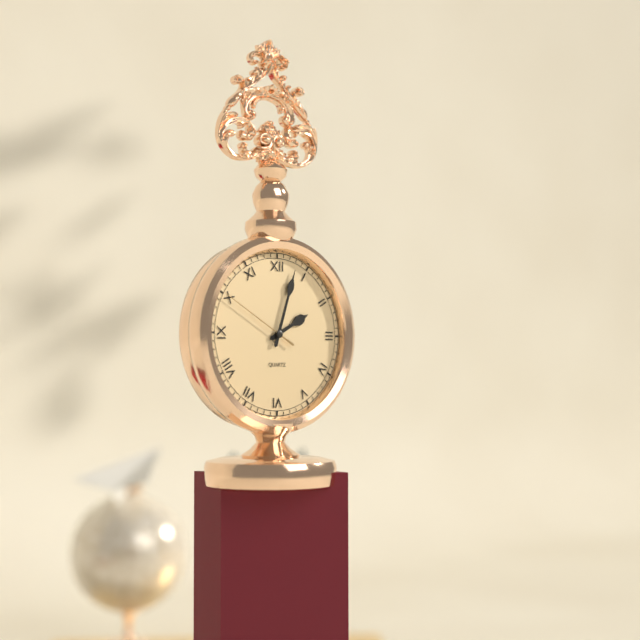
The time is 2,03,50
